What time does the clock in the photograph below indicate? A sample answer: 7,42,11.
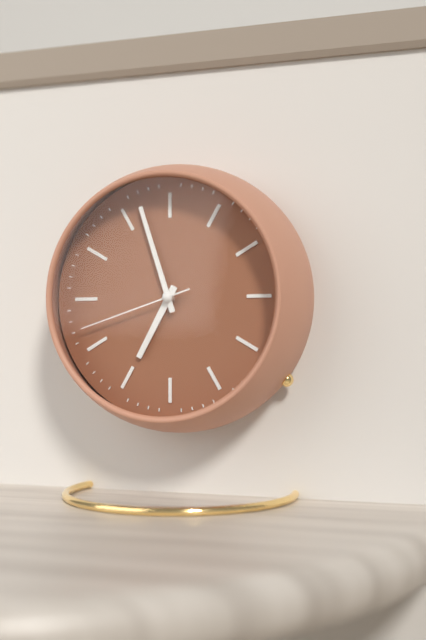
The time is 6,57,42
